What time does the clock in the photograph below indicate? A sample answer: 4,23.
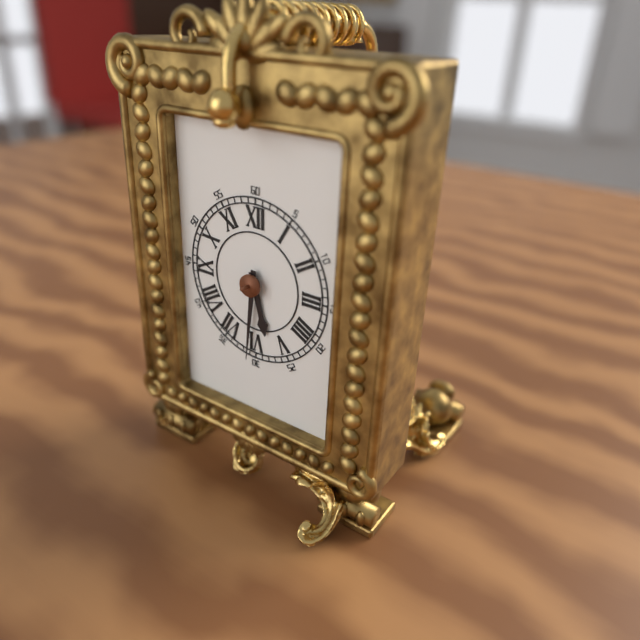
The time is 5,31
